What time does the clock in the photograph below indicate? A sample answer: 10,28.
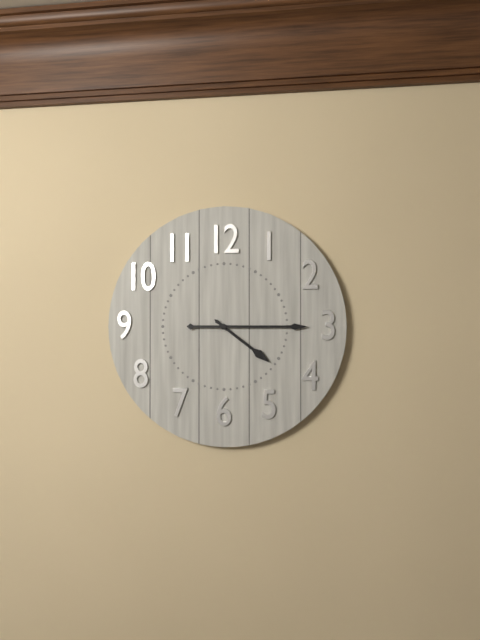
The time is 4,15
